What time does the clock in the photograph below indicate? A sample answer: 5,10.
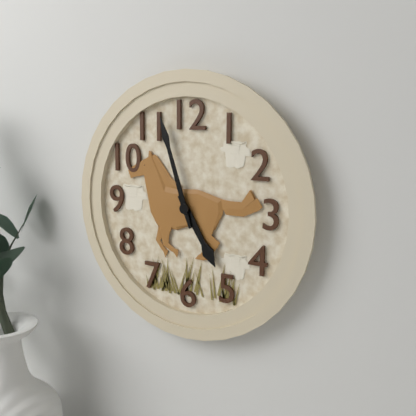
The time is 4,57
